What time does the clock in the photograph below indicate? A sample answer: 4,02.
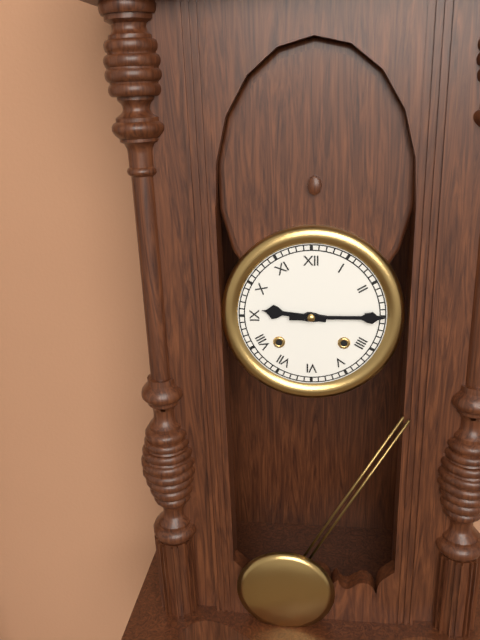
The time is 9,15
